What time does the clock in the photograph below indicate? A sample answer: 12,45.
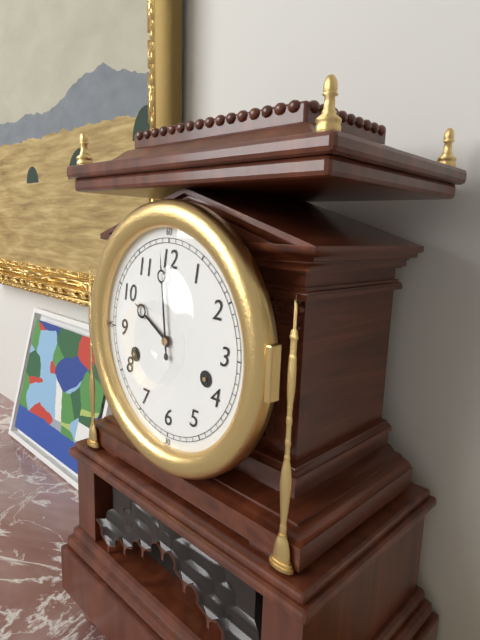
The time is 9,59
